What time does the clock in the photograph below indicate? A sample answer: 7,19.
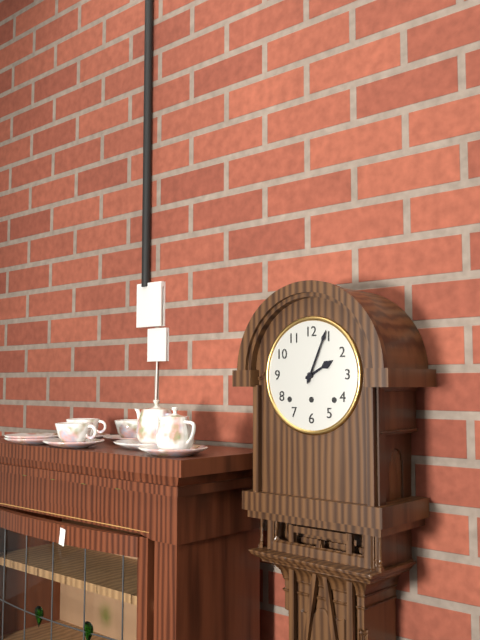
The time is 2,04
